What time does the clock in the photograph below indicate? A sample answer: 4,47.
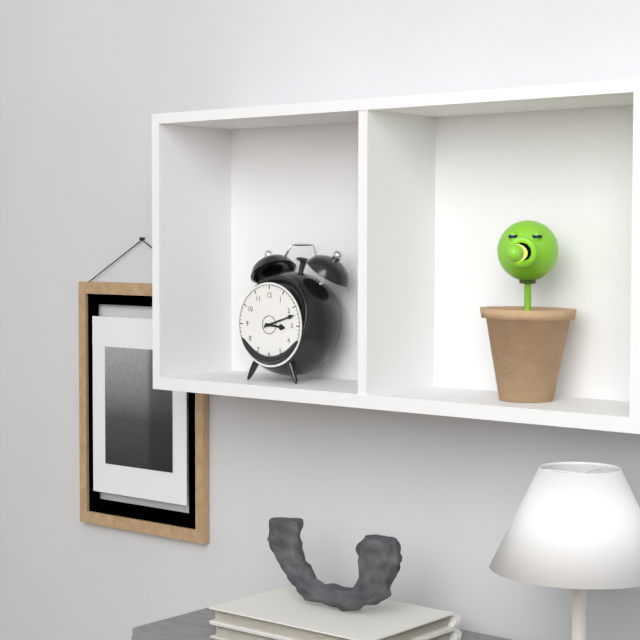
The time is 3,12
